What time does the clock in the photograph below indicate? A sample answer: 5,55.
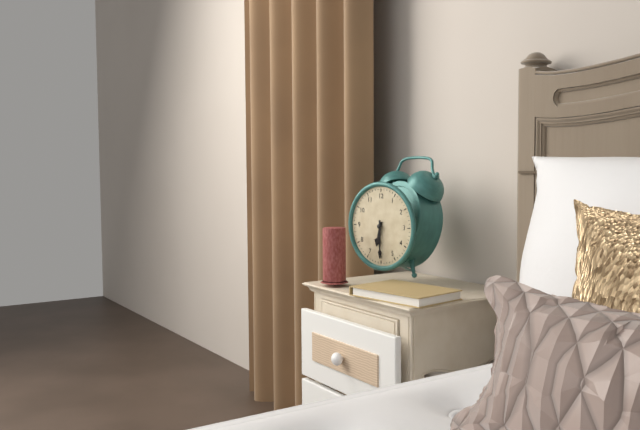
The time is 6,30
